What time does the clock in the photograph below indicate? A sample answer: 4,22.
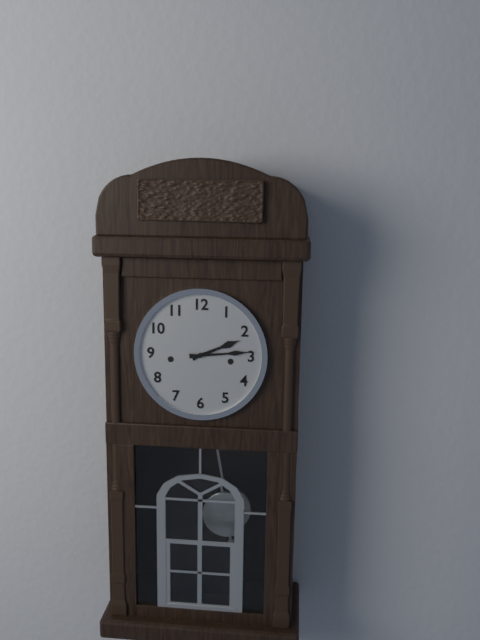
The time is 2,14
